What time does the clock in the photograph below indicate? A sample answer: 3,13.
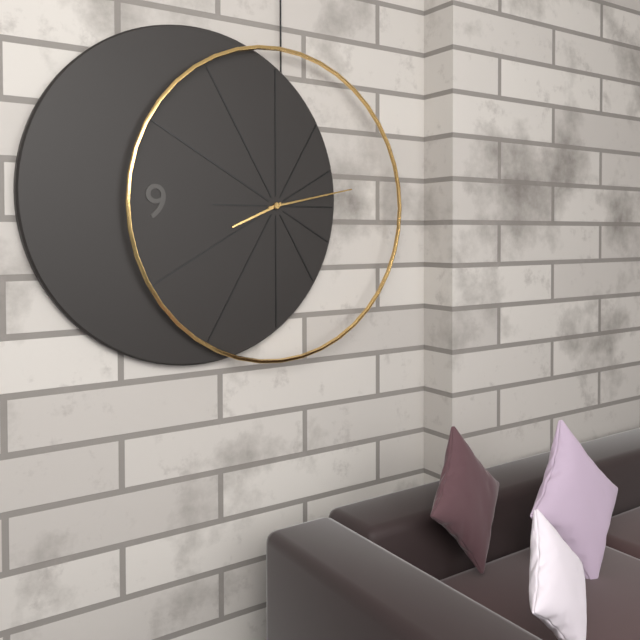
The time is 8,13
